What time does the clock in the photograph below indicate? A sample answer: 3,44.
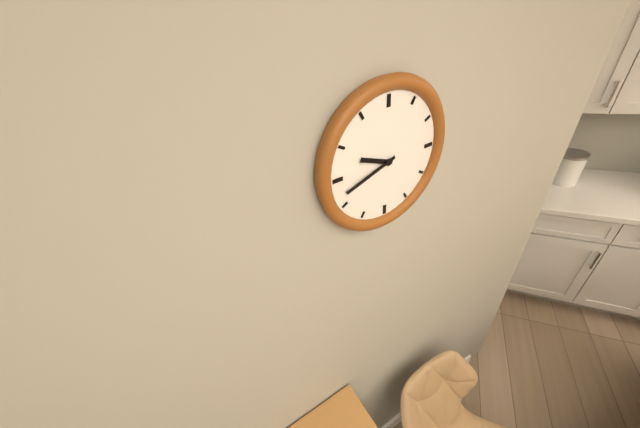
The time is 9,42
